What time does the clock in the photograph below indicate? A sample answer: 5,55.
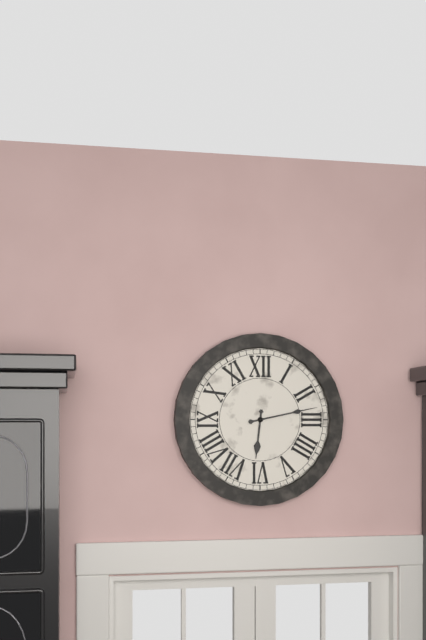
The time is 6,13
